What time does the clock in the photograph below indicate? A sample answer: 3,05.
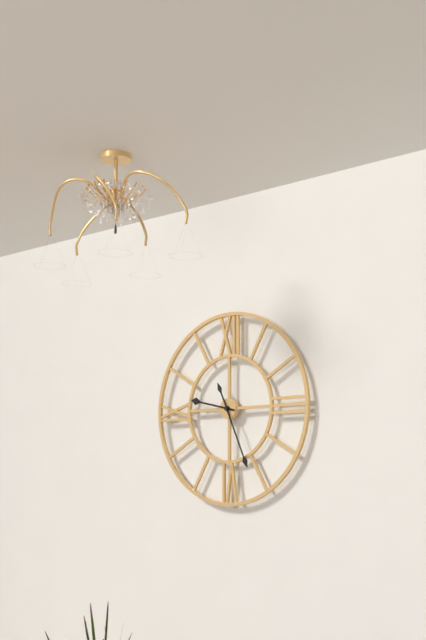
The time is 9,26
